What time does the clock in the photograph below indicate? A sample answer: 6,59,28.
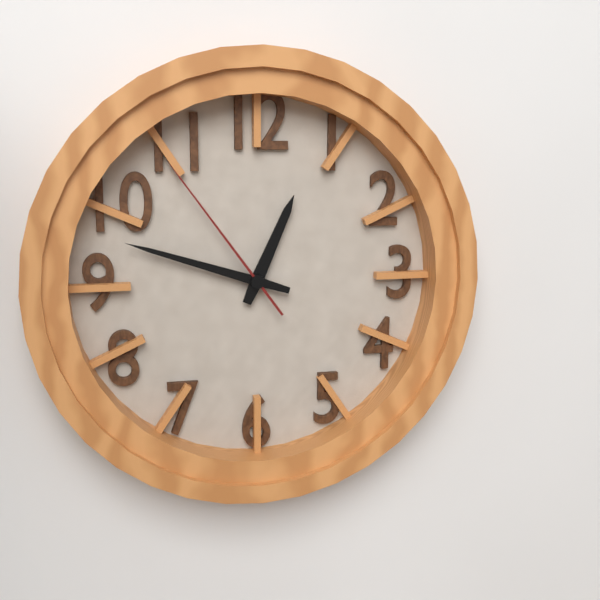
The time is 12,48,54
